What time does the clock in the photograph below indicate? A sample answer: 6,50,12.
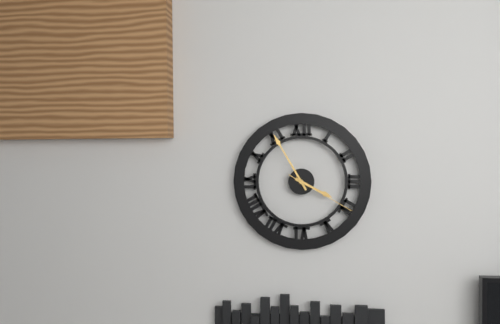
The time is 3,55,20
